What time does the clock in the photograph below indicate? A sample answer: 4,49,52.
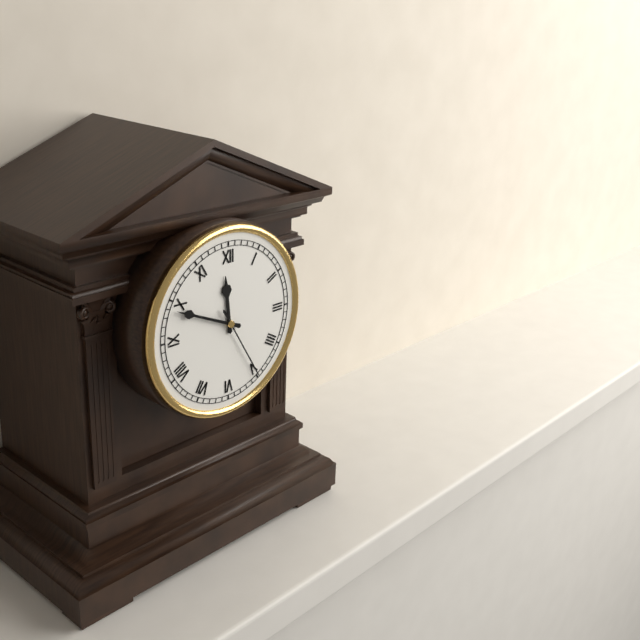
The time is 11,49,25
